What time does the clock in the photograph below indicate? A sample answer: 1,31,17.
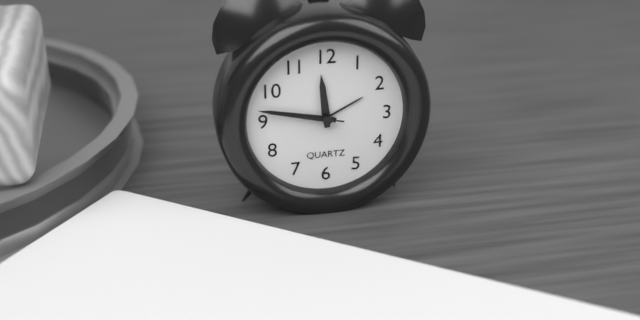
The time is 11,47,47
